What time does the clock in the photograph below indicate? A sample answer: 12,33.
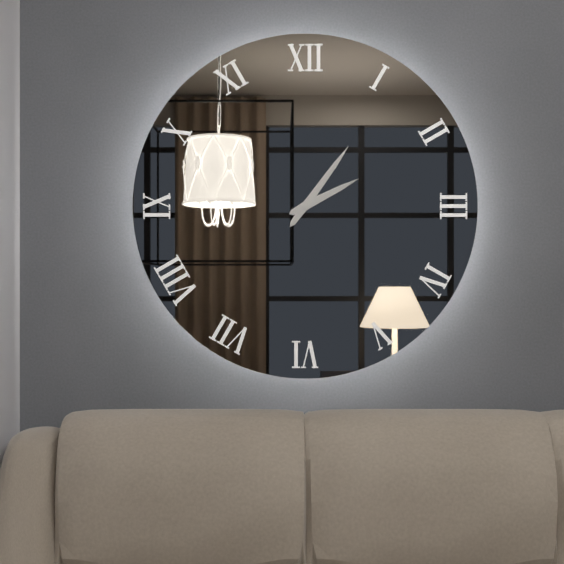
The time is 2,06
